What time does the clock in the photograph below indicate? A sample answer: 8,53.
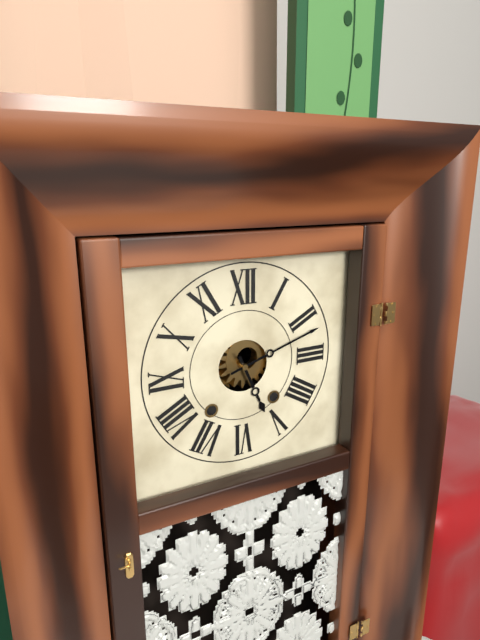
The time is 5,12
